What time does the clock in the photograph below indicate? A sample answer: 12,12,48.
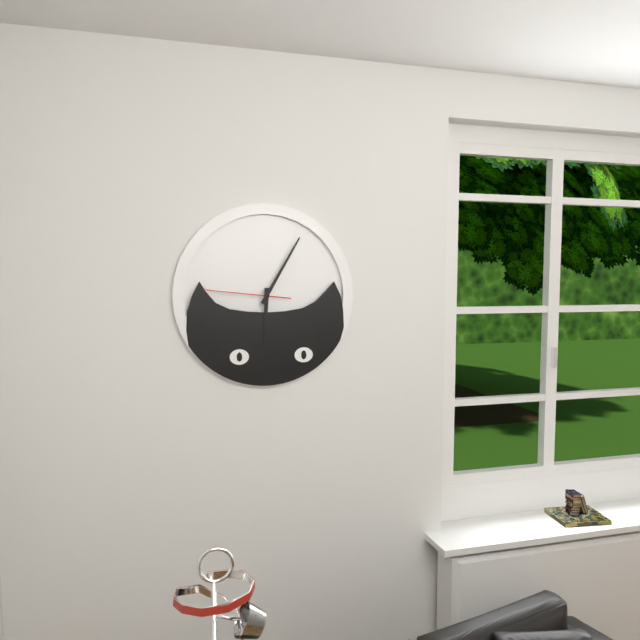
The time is 6,05,46
